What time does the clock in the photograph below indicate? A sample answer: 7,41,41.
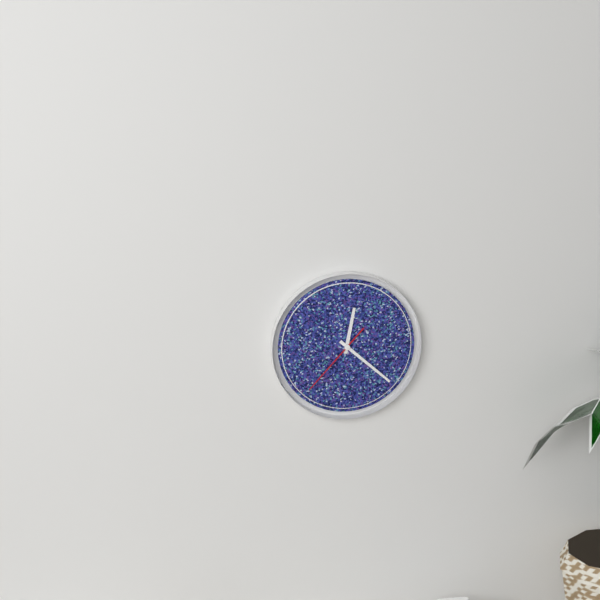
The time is 12,22,37
